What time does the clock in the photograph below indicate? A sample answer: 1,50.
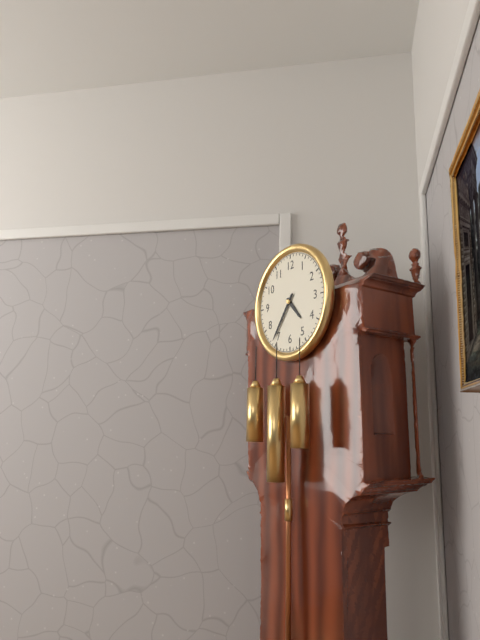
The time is 4,36
